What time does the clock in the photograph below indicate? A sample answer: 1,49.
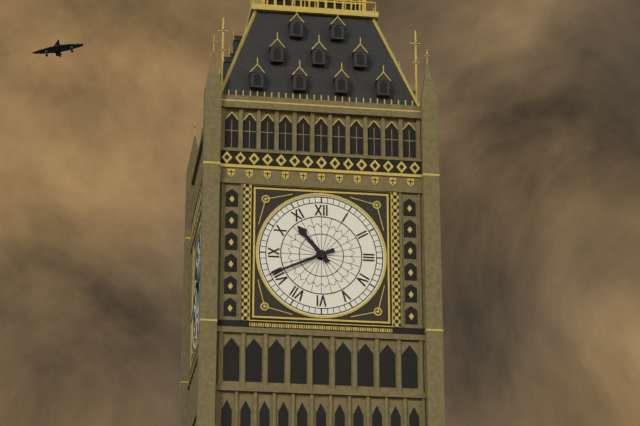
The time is 10,41
